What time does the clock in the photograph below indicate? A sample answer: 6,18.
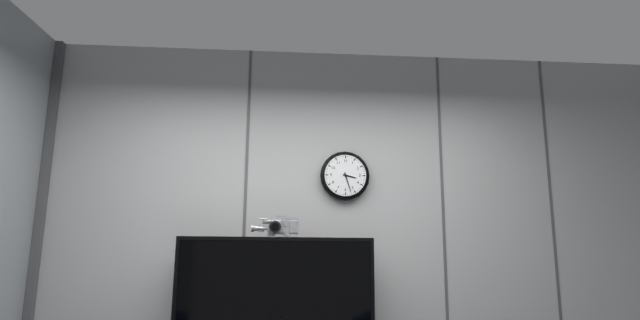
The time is 3,27
